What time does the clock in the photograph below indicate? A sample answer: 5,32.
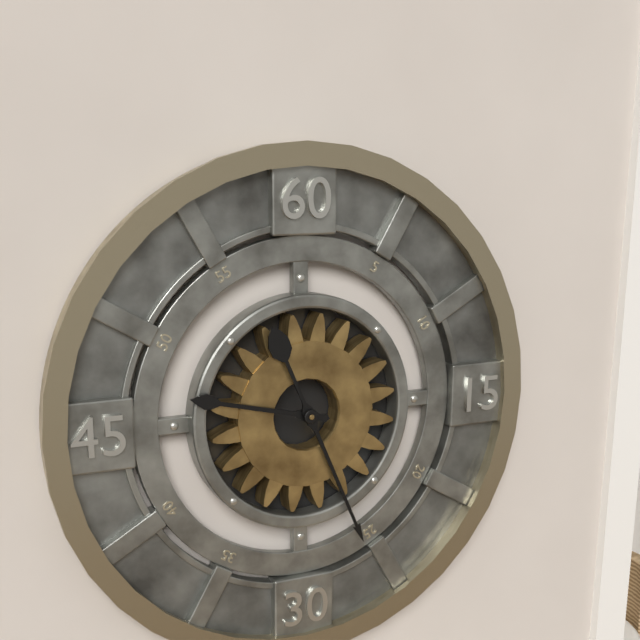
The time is 9,26
